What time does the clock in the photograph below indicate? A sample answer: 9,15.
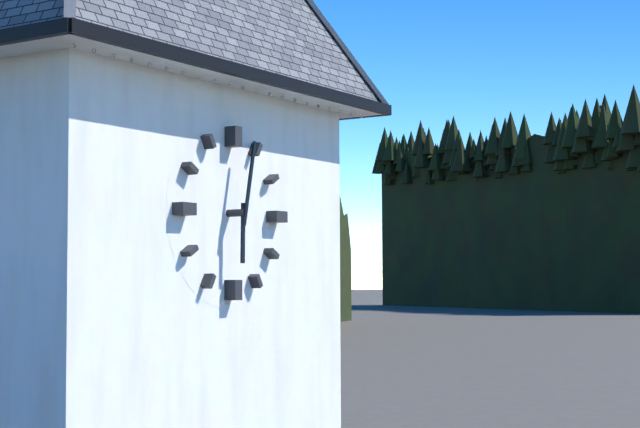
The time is 6,02
